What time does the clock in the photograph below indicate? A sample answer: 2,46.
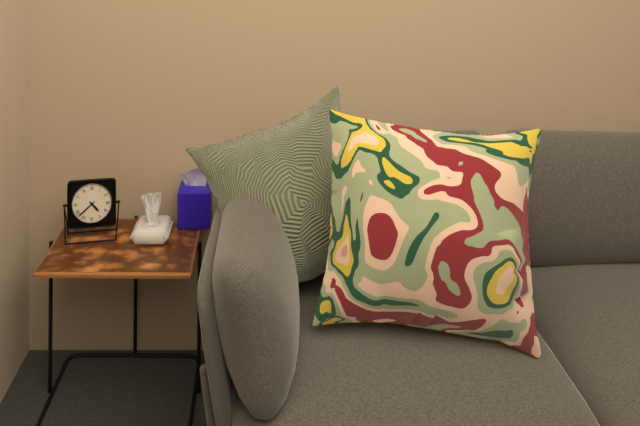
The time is 4,38
